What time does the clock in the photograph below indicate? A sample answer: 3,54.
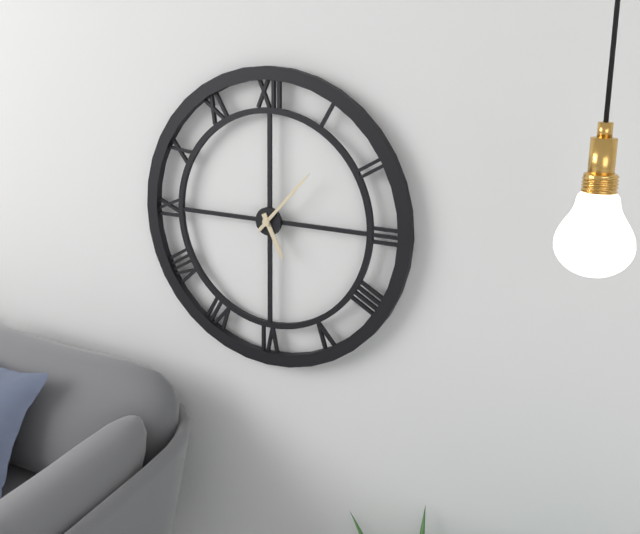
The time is 5,07
